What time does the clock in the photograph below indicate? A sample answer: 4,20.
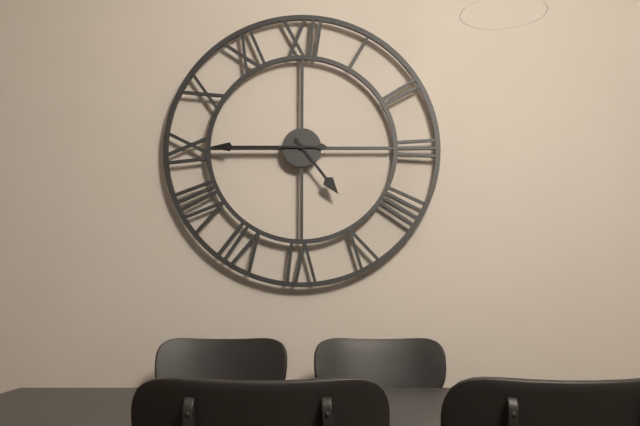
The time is 4,45
